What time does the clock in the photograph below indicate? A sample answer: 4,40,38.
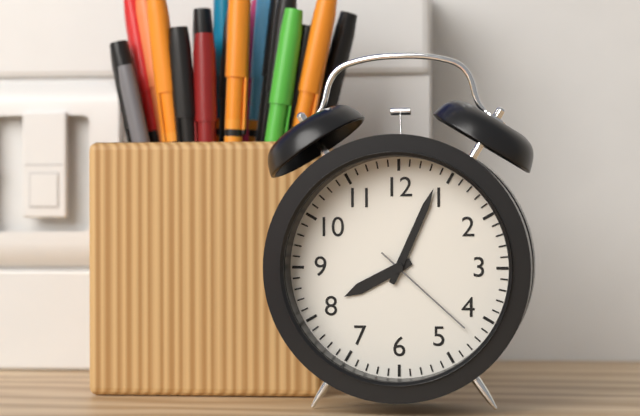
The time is 8,04,22
